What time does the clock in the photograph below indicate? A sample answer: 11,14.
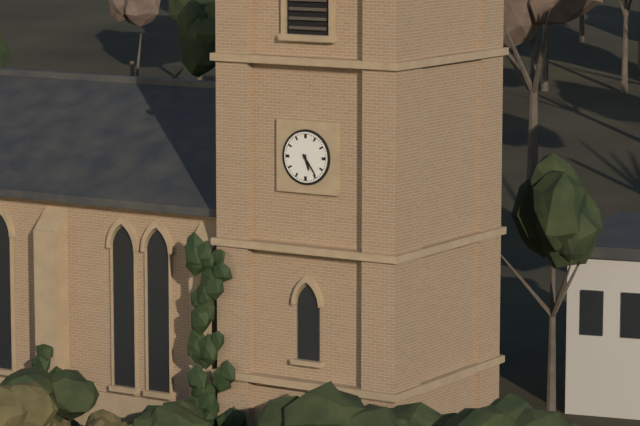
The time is 5,24
